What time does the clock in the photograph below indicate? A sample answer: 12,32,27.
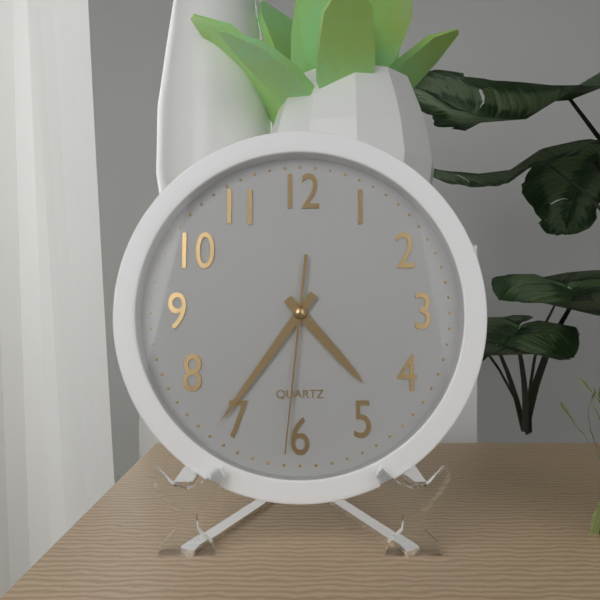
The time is 4,36,31
